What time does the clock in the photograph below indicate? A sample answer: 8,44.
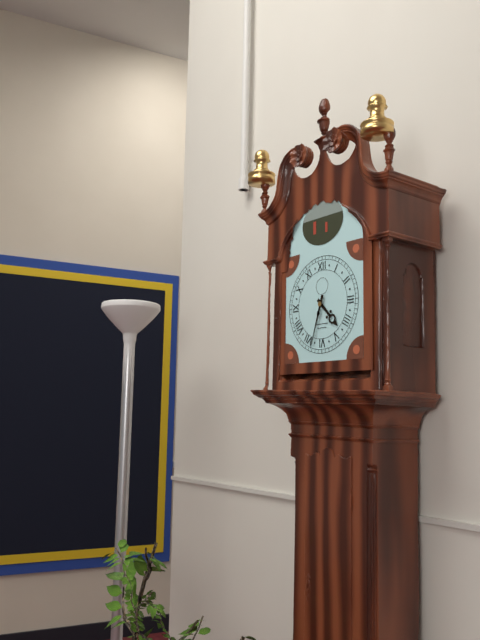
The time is 4,33
